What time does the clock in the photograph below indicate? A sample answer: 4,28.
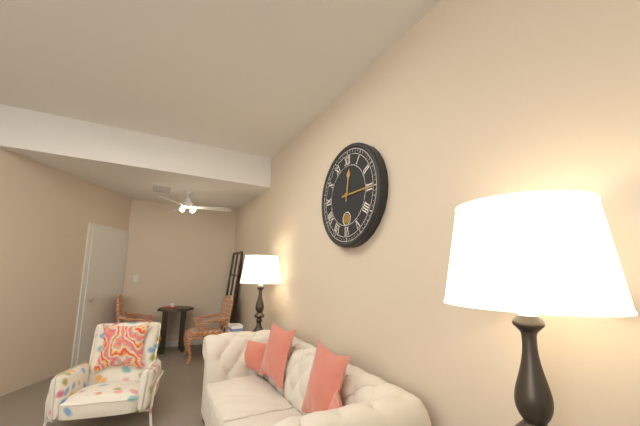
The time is 12,15
